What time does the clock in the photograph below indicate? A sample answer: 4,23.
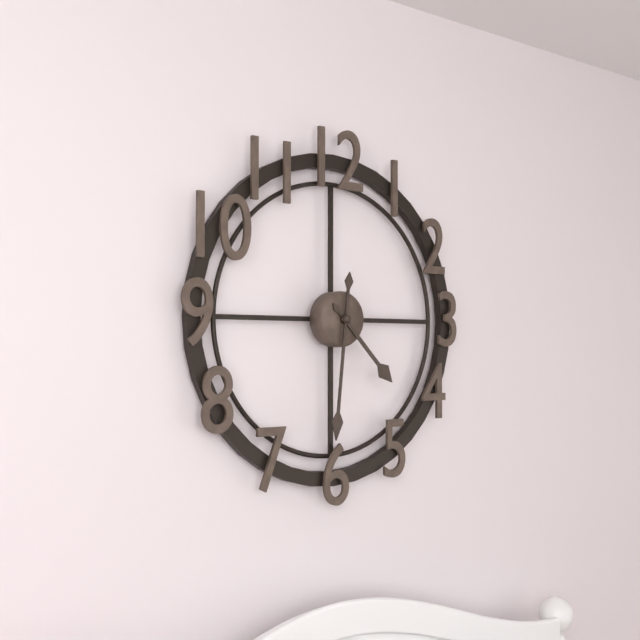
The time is 4,31
